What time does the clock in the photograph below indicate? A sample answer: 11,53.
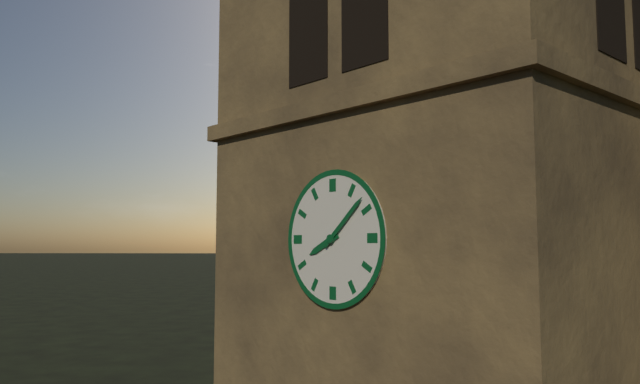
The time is 8,08
